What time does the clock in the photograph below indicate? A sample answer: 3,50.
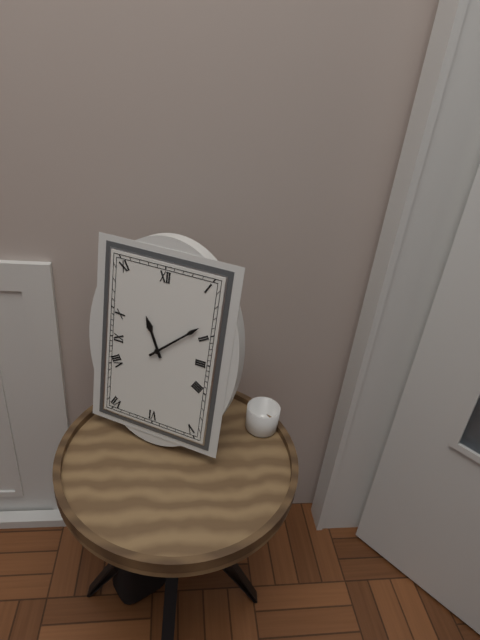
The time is 11,08
